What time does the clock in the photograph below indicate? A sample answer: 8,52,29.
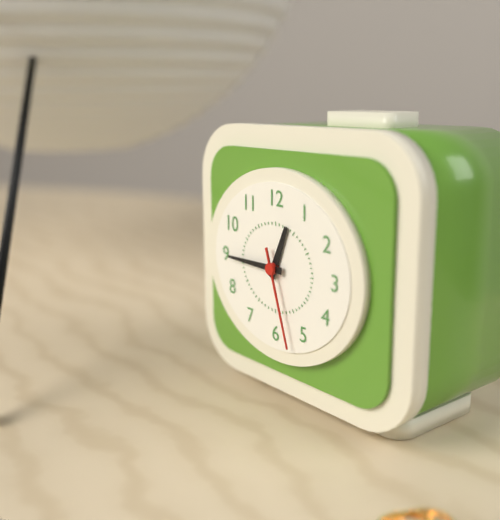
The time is 12,45,27
